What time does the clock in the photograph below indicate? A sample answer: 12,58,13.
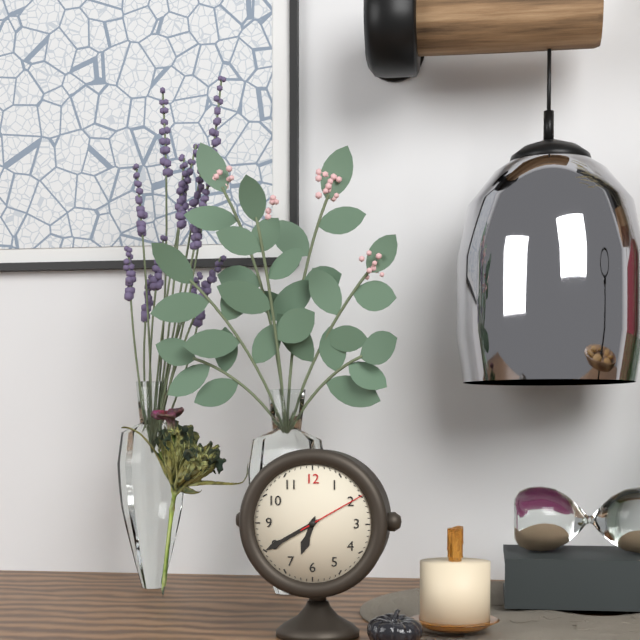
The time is 6,40,10
